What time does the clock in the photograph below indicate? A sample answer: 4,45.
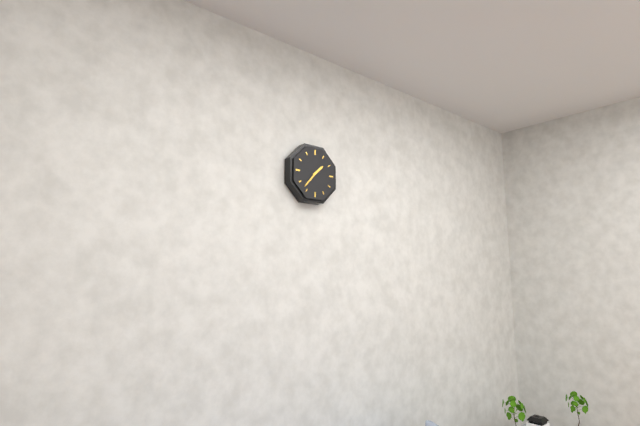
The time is 1,37
